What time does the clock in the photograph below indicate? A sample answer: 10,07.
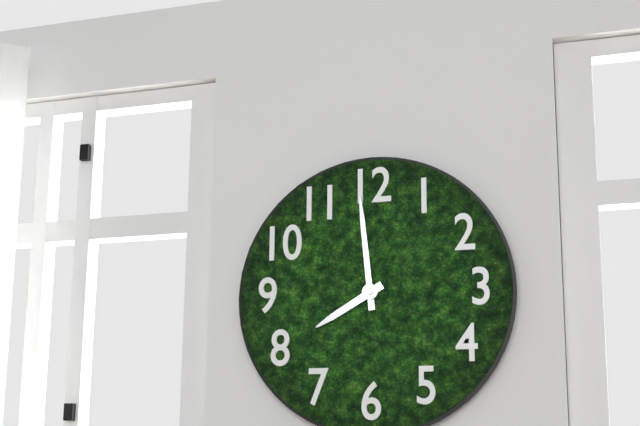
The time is 7,59
